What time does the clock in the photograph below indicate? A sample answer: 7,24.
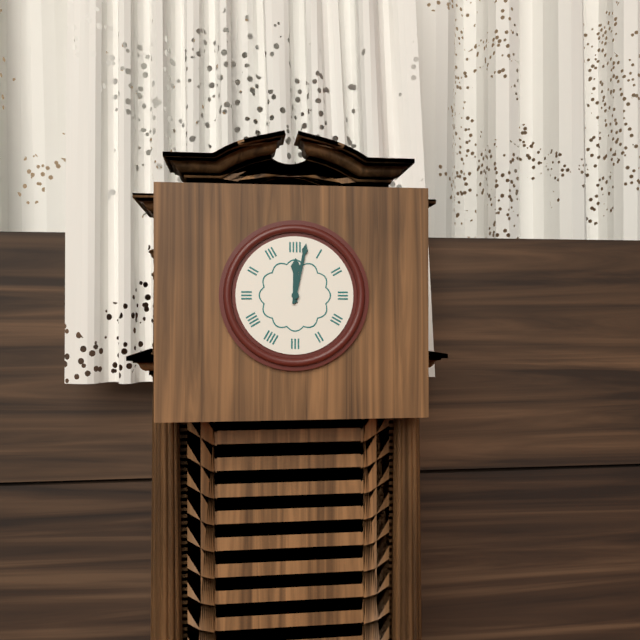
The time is 12,02
